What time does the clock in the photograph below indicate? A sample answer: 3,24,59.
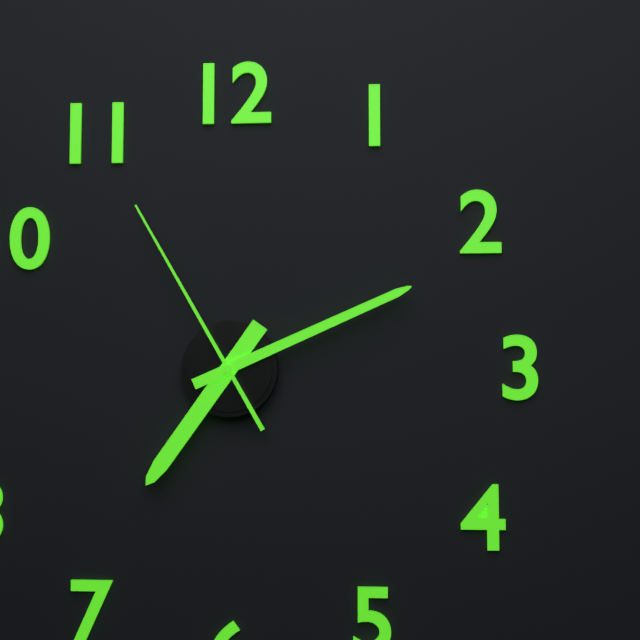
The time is 7,11,55
